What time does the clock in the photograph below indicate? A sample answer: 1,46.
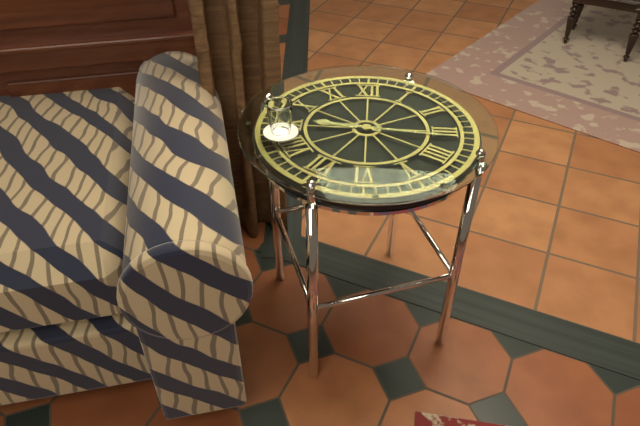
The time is 9,16
